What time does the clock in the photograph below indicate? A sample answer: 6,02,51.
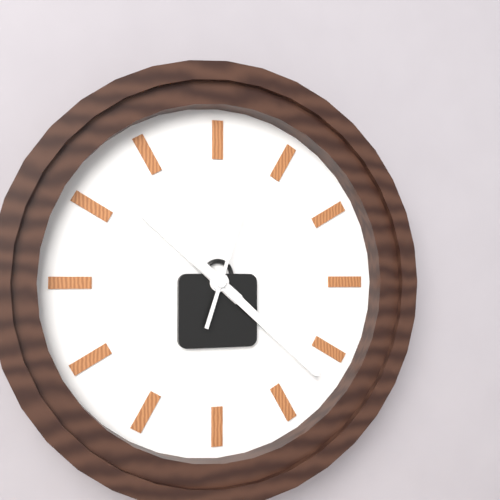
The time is 10,22,03
